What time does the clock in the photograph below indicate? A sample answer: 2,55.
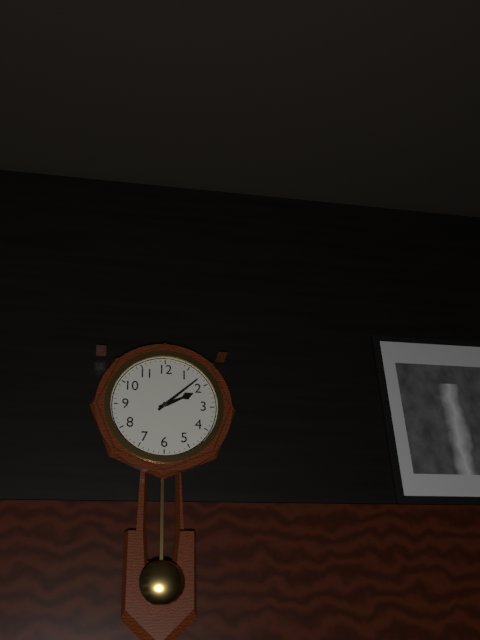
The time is 2,08
